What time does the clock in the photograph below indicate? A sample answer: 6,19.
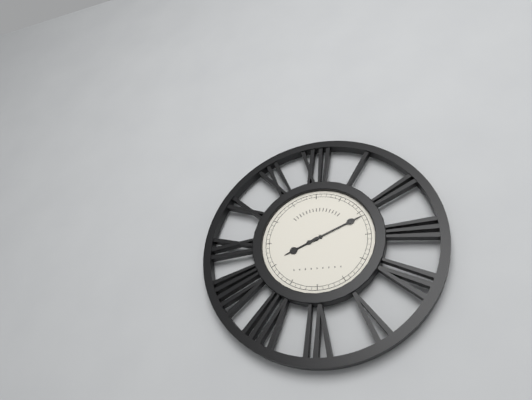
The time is 8,11
